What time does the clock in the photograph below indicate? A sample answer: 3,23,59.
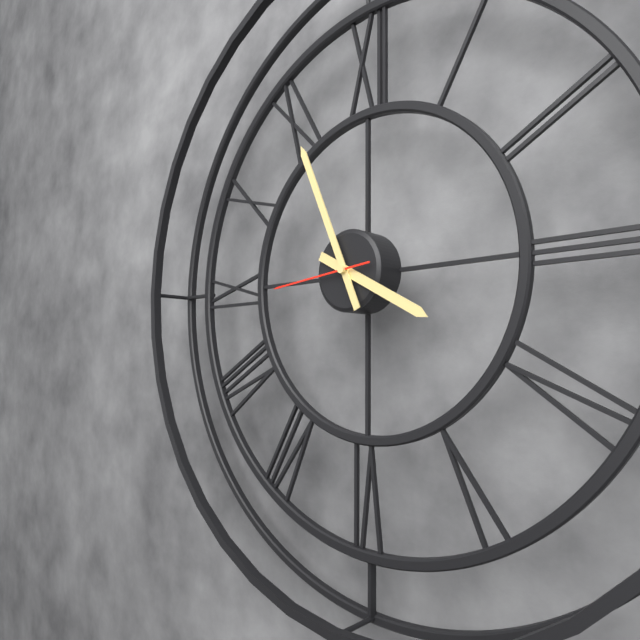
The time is 3,56,44
